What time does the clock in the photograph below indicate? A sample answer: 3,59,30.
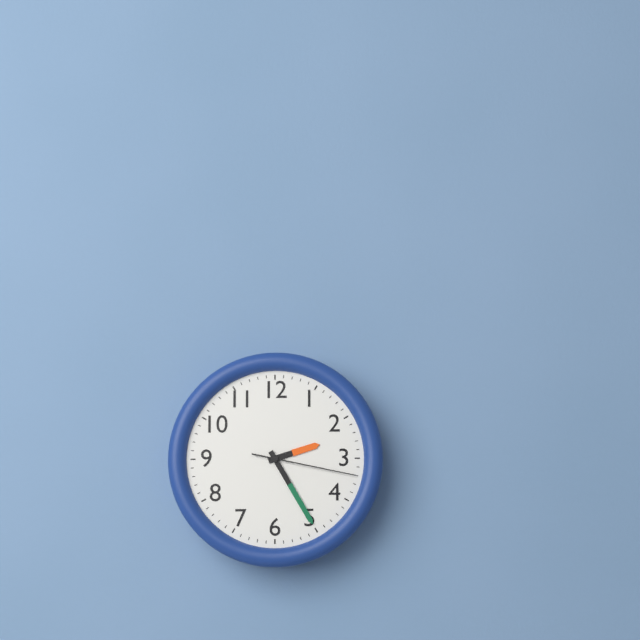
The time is 2,25,17
